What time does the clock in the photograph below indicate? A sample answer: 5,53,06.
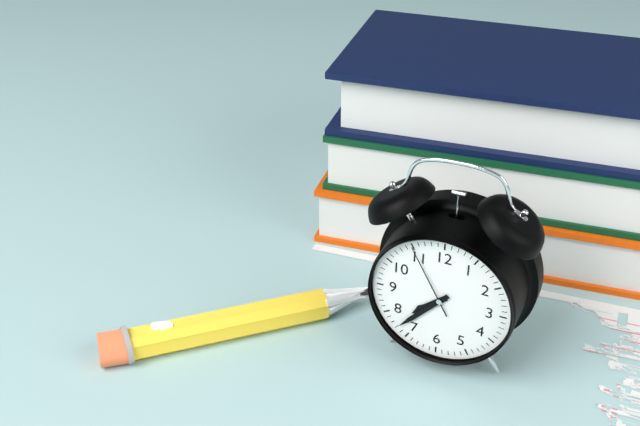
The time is 7,37,55
